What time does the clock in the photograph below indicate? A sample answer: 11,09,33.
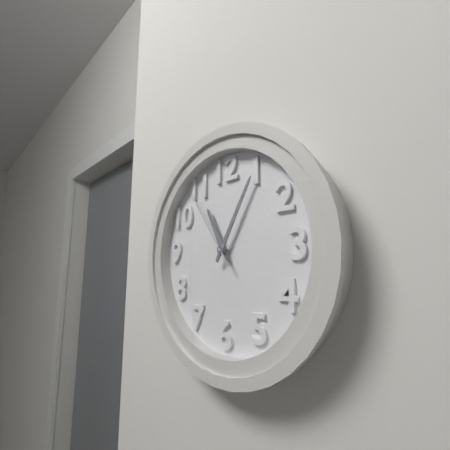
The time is 11,05,54
